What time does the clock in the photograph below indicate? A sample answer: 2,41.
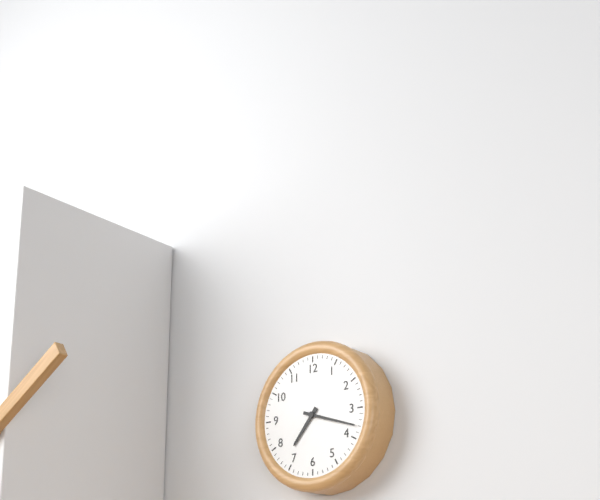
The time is 7,18
